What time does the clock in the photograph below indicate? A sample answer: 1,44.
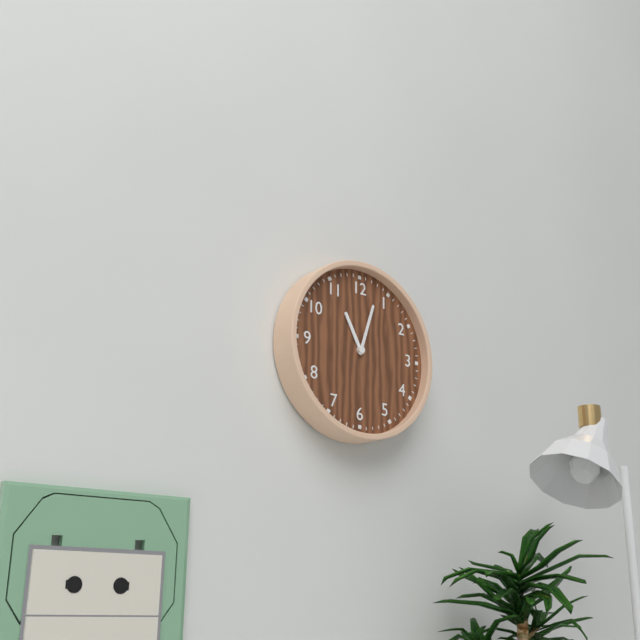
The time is 11,03
